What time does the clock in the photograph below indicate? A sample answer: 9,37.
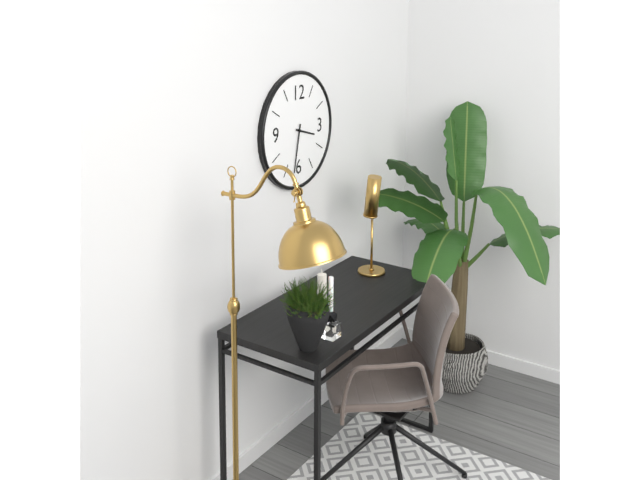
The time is 3,32
